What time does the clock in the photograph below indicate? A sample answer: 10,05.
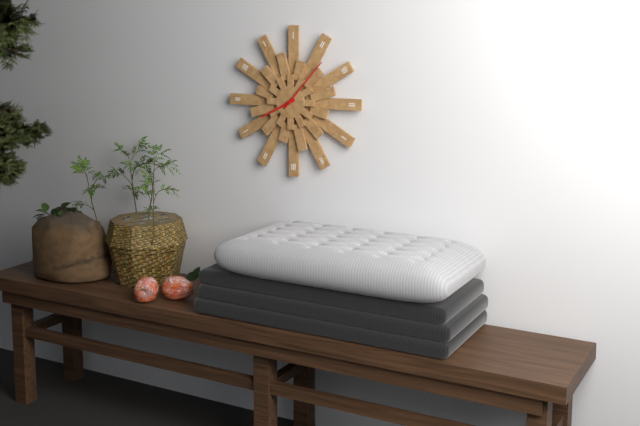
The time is 8,07
